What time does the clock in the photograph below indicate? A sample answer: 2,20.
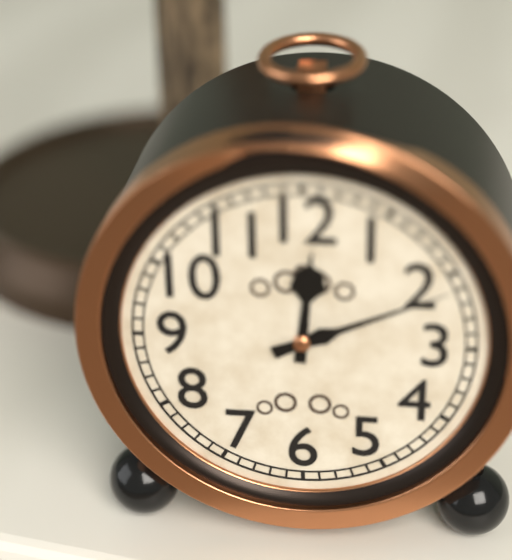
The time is 12,11
